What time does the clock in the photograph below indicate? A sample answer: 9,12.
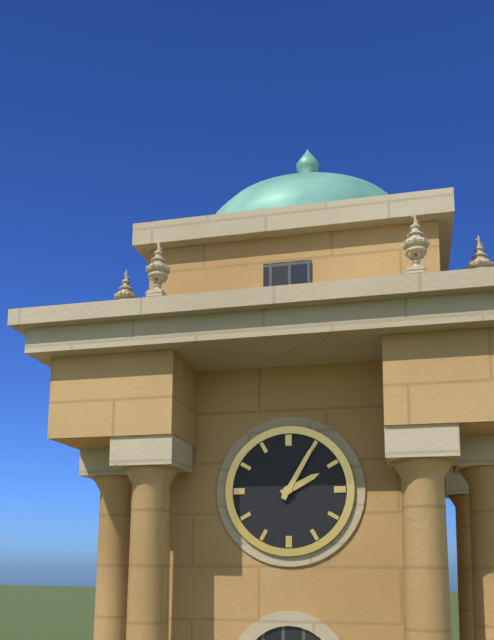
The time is 2,05
